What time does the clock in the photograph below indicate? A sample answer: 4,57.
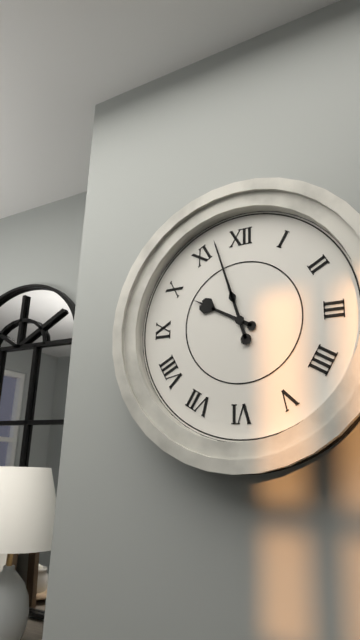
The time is 9,57
